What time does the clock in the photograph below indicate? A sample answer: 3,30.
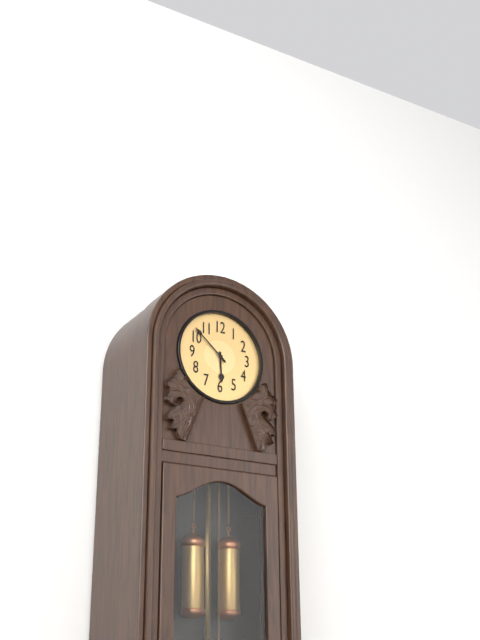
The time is 5,52
